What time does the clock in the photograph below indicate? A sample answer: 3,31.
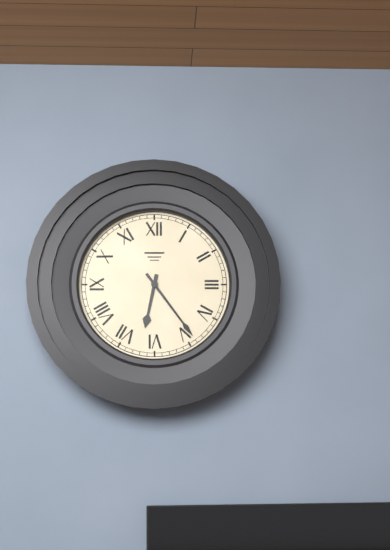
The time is 6,24
